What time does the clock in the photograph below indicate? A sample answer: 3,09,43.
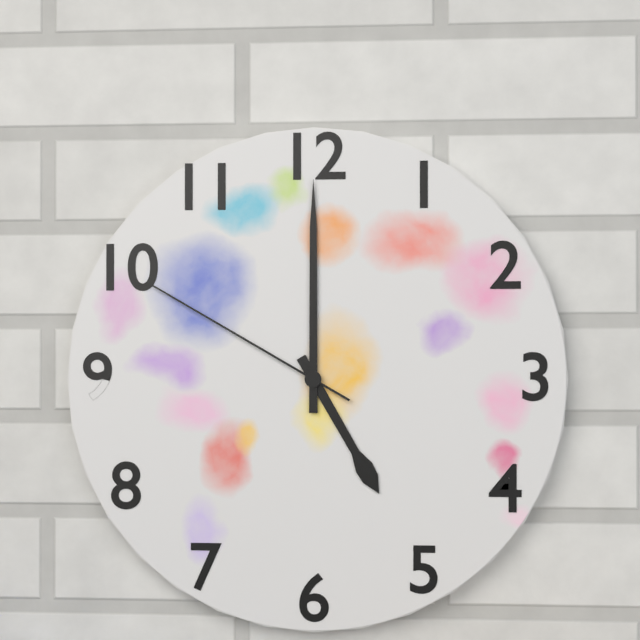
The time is 5,00,50
